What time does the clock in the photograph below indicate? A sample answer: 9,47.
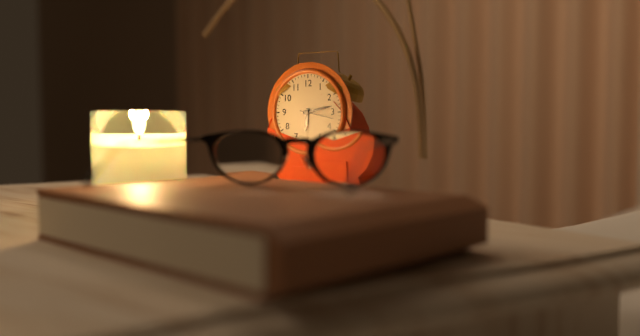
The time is 6,13
